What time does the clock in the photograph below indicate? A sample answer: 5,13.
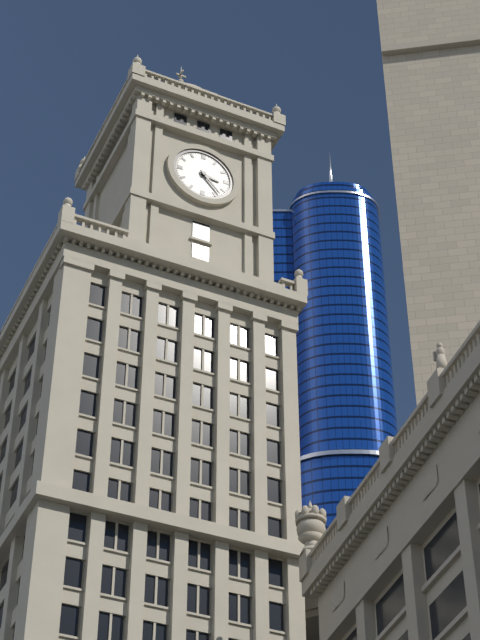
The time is 3,23
